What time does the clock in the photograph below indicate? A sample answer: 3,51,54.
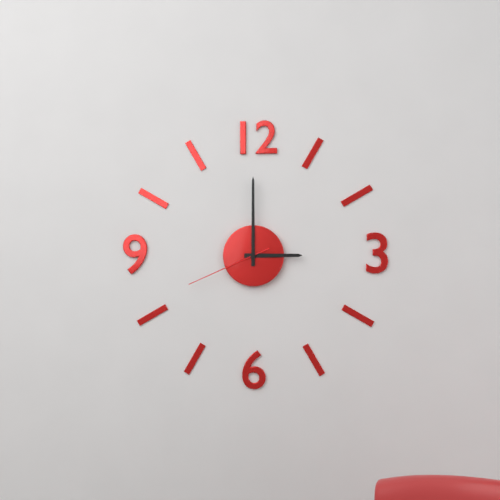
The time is 3,00,41
